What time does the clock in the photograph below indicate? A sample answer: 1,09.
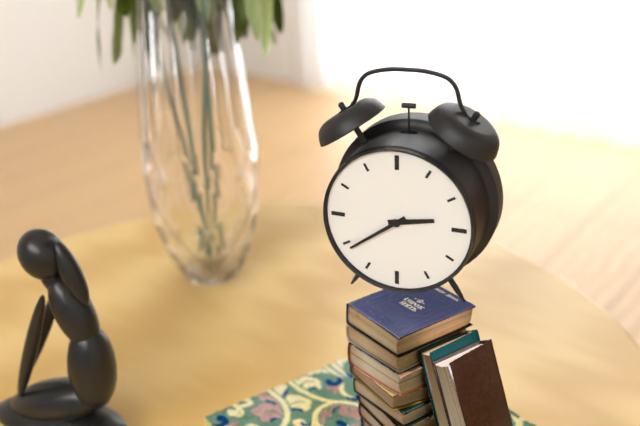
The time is 2,39
